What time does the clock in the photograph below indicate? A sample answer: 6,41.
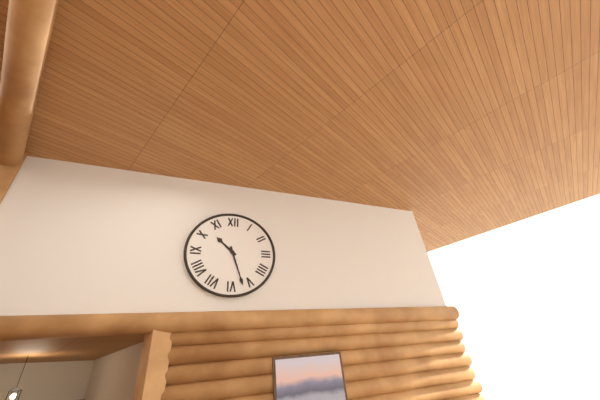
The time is 10,27
